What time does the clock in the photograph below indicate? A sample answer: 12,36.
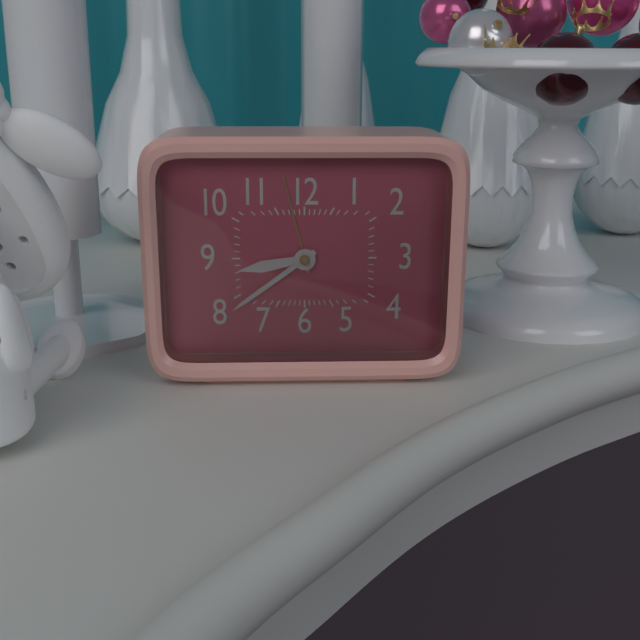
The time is 8,39
